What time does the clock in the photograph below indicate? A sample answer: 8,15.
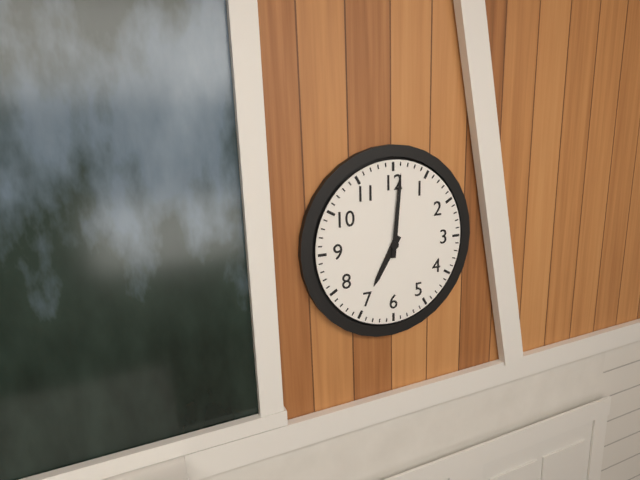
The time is 7,01
